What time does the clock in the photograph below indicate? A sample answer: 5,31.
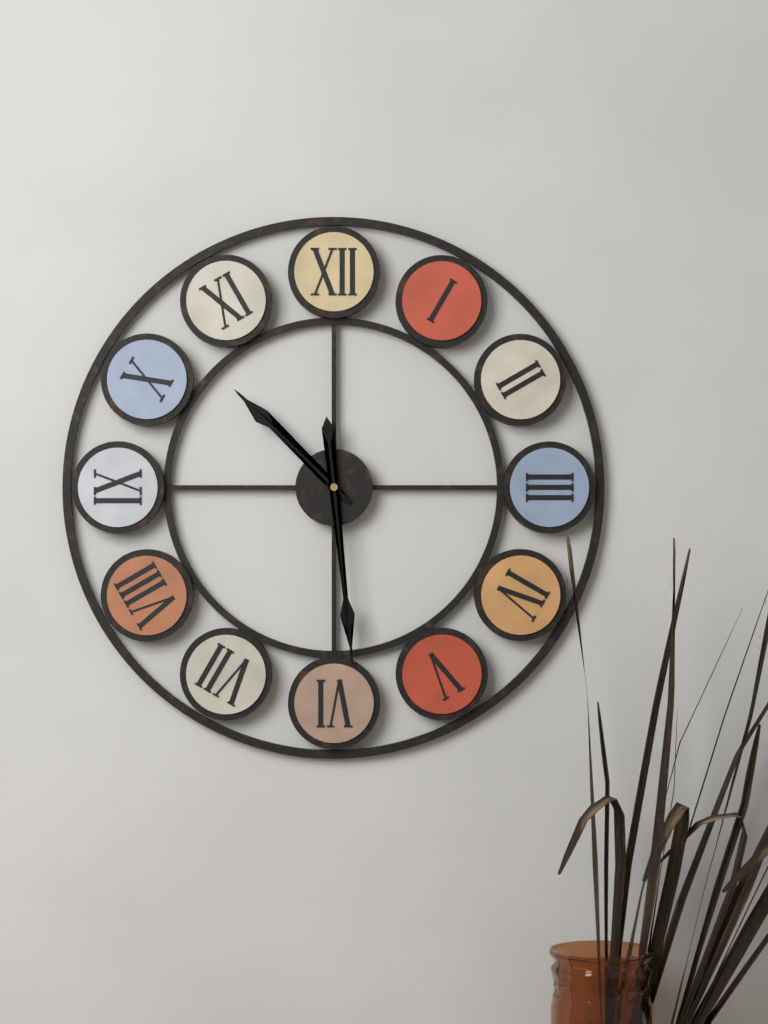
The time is 10,29
